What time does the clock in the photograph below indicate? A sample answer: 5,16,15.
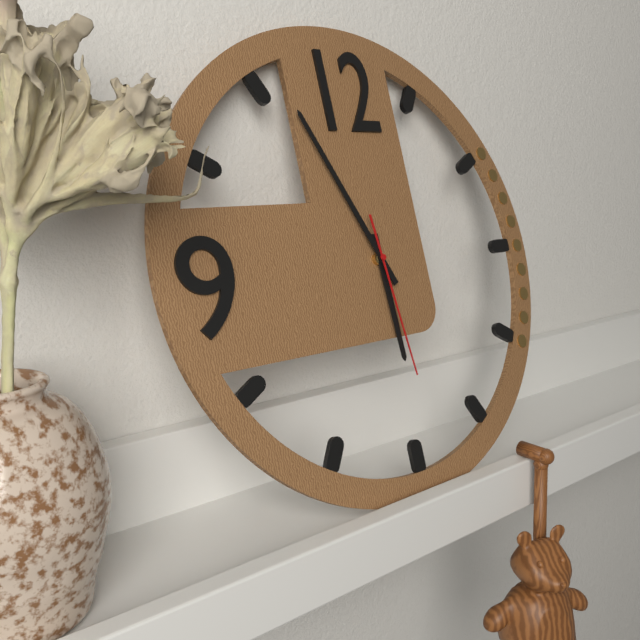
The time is 5,56,29
